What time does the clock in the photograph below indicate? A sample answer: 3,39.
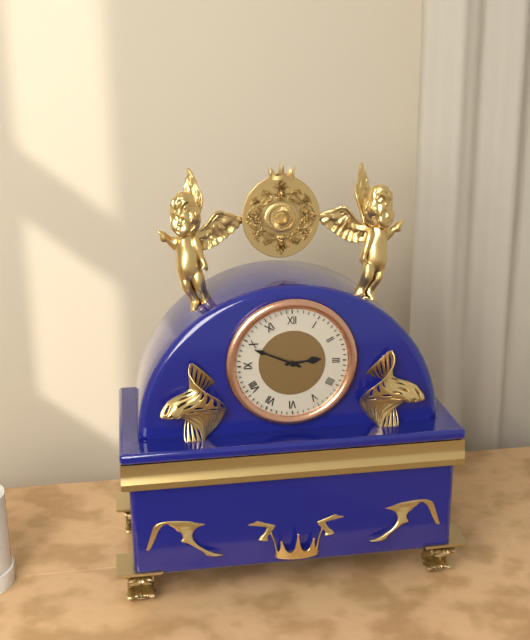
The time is 2,49
